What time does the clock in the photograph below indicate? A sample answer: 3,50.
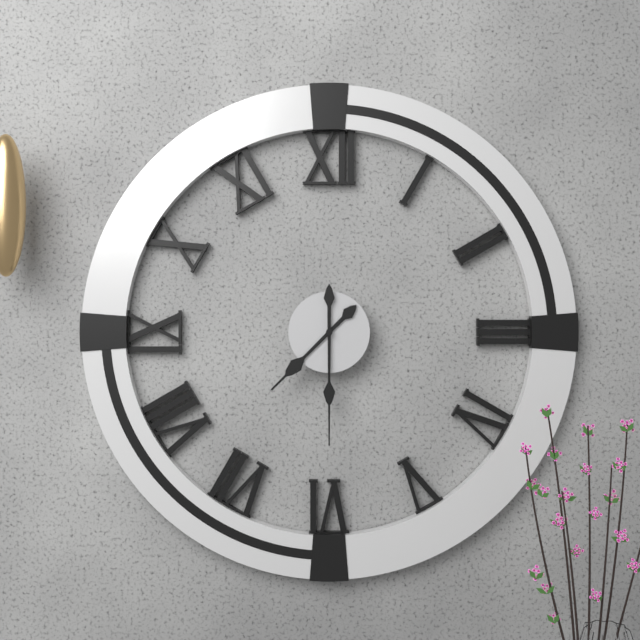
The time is 7,30
